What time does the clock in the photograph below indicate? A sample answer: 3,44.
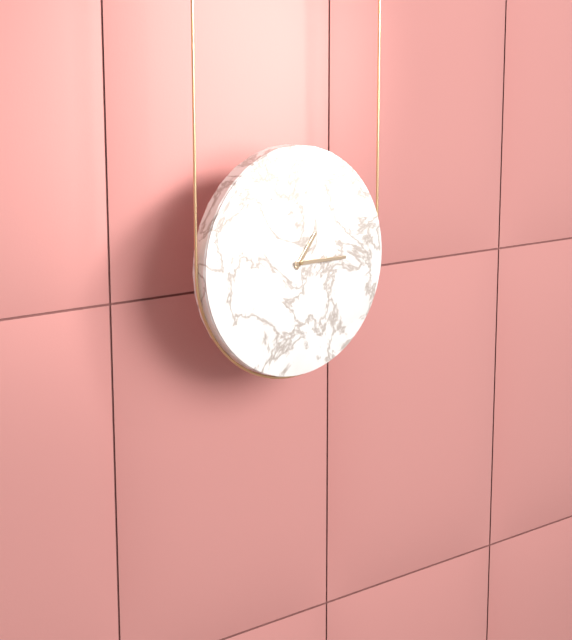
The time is 1,15
